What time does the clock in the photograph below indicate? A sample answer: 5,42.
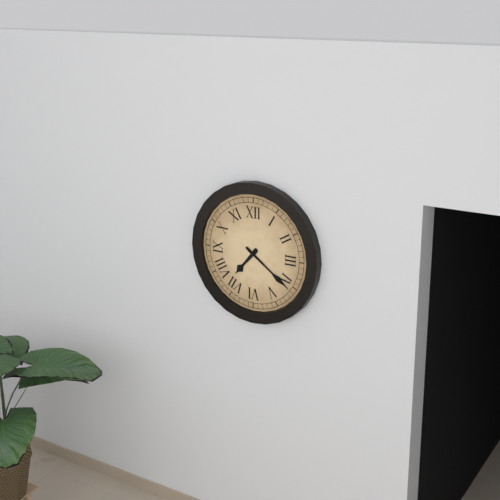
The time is 7,21
